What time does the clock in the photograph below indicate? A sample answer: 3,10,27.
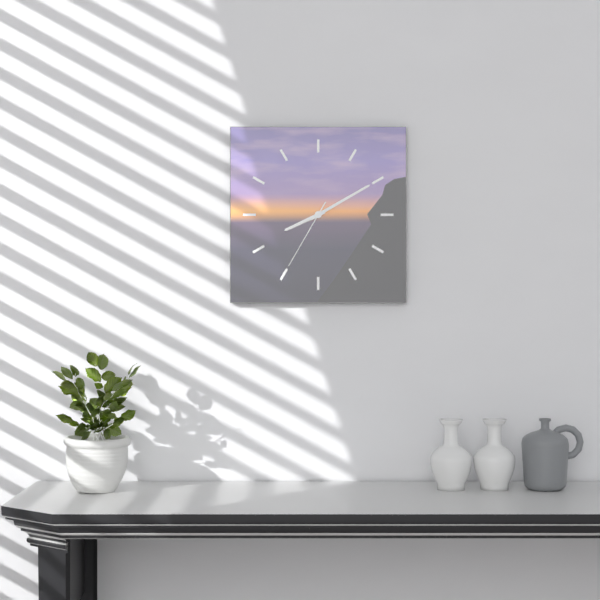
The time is 8,10,35
